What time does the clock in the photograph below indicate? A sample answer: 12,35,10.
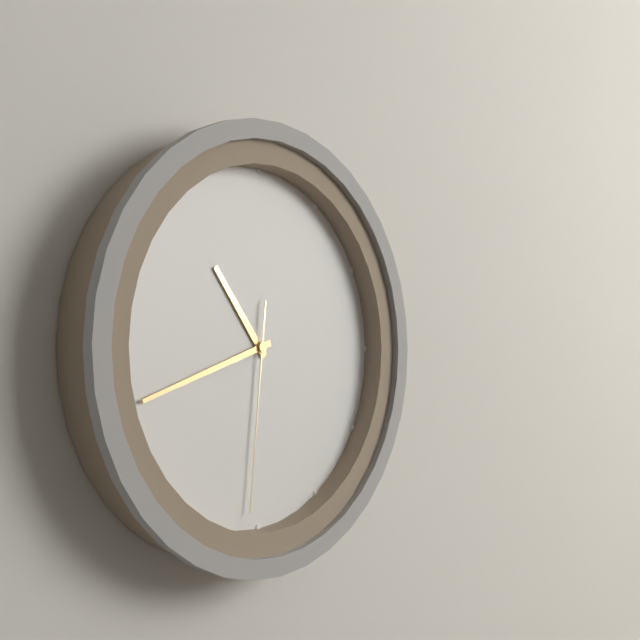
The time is 10,42,31
